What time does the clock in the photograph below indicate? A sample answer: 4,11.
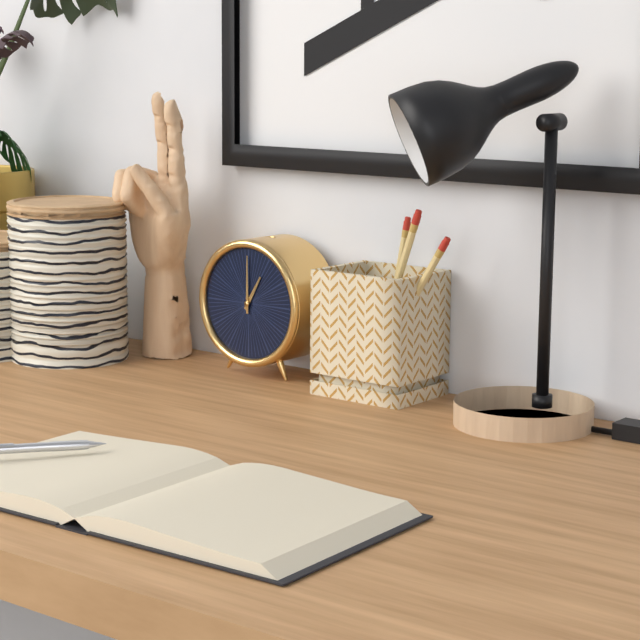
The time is 1,00
